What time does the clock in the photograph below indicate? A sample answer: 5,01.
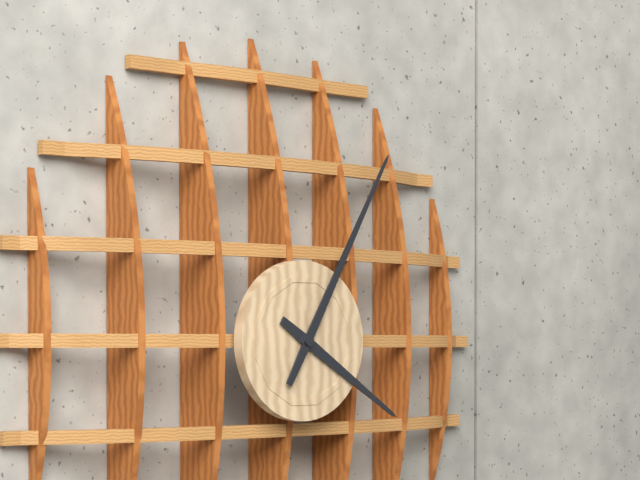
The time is 4,05
